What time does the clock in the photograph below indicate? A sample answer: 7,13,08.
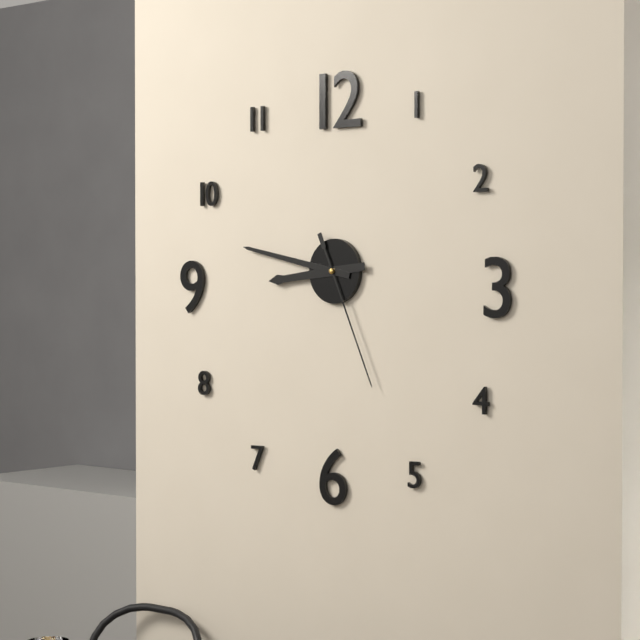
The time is 8,47,26
